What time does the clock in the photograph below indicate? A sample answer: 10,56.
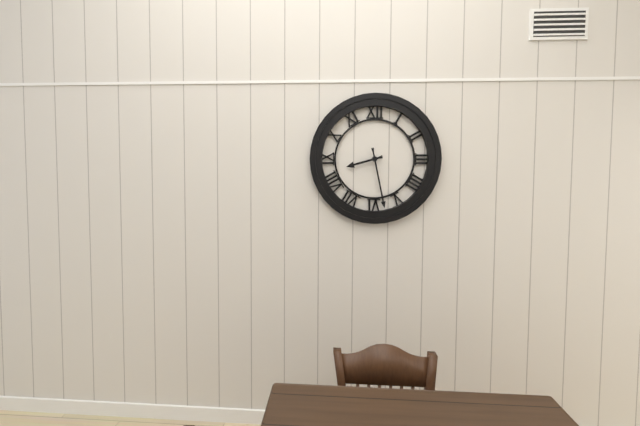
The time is 8,28
